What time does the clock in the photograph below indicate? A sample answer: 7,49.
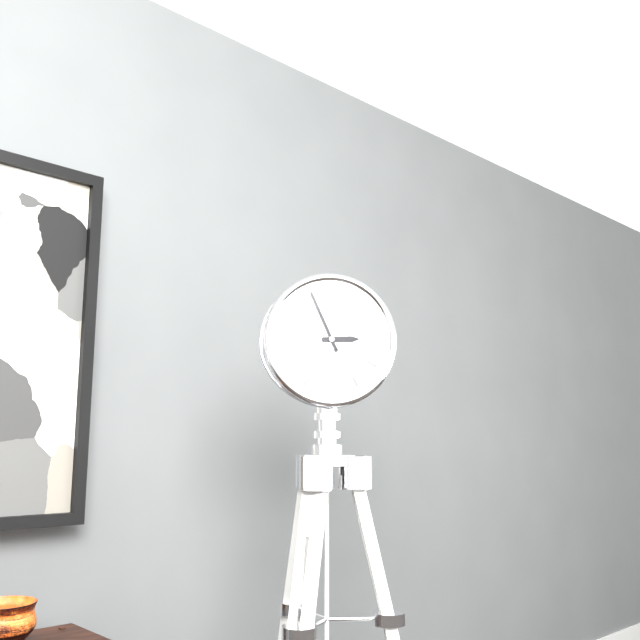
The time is 2,56
